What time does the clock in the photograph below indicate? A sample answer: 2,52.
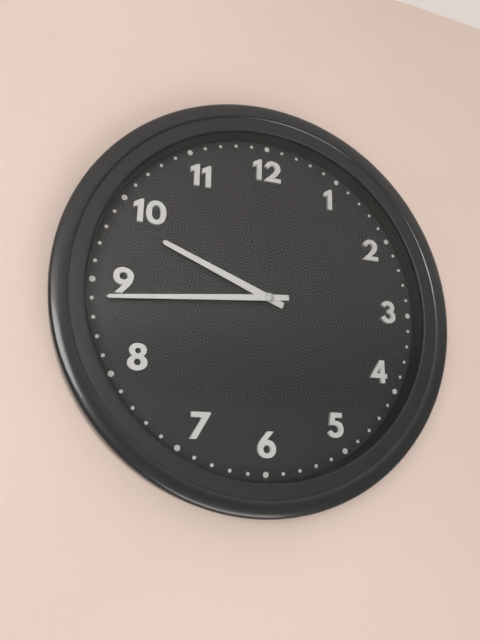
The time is 9,44
